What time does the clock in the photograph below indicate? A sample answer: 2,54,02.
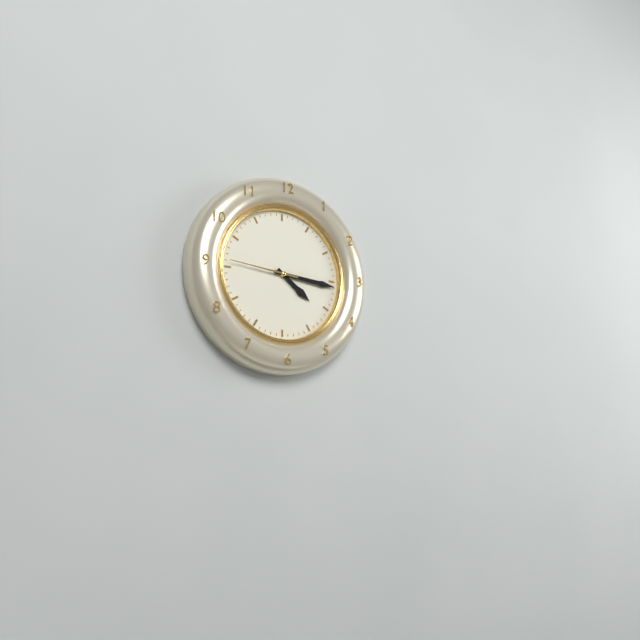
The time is 4,16,46
